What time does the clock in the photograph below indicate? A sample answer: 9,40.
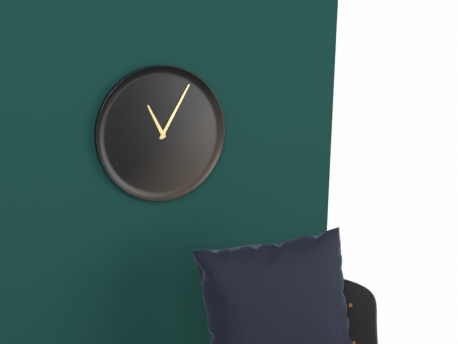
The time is 11,05
